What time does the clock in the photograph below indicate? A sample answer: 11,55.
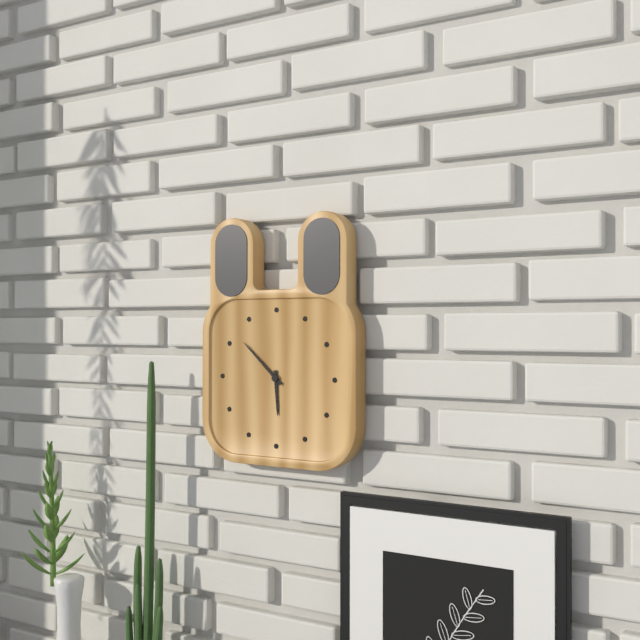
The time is 5,52
